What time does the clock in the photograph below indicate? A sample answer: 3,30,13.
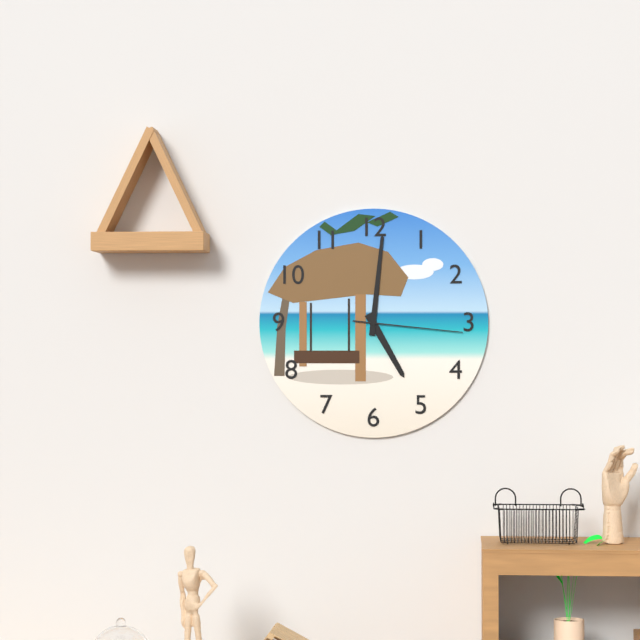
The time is 5,01,16
